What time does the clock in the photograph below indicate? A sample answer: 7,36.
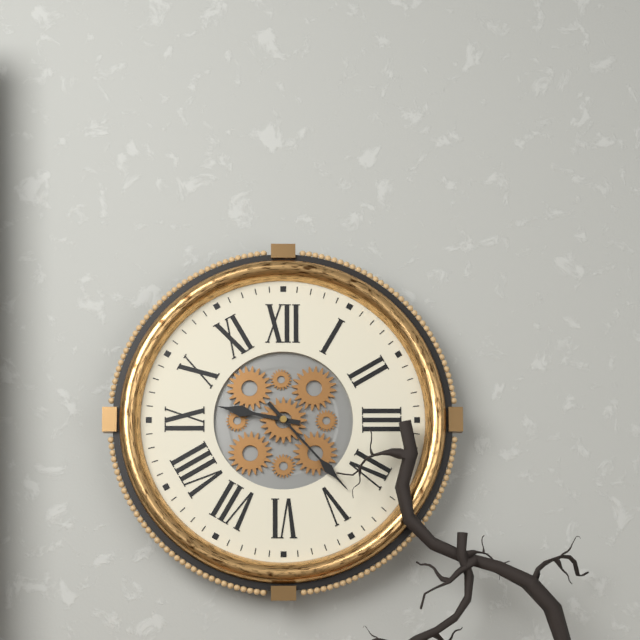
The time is 9,23
